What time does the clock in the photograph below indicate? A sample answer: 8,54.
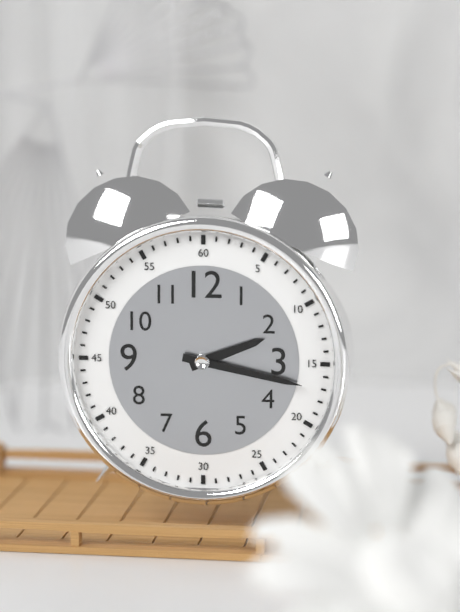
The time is 2,17
